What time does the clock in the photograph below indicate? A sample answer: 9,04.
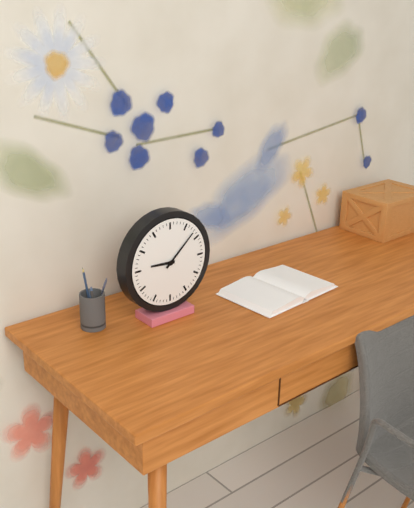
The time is 9,08
